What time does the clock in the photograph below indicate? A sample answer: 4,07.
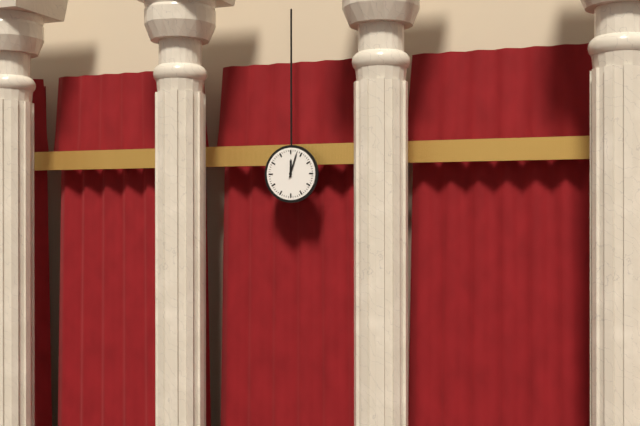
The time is 12,03
